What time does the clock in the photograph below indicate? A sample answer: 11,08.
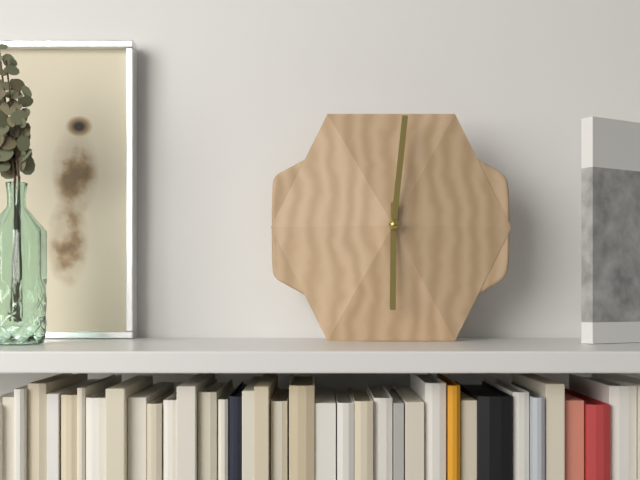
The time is 6,01
